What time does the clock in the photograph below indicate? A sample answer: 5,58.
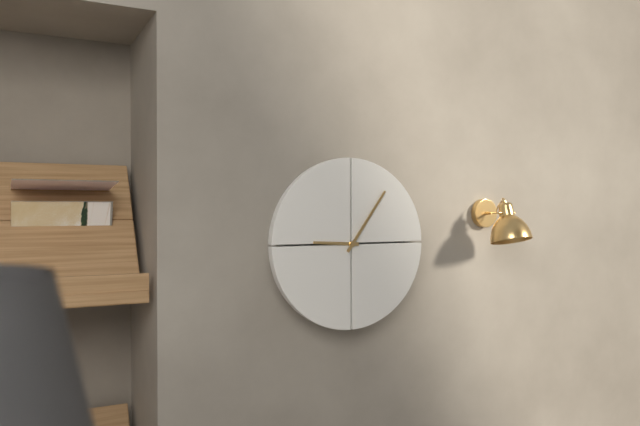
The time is 9,06
